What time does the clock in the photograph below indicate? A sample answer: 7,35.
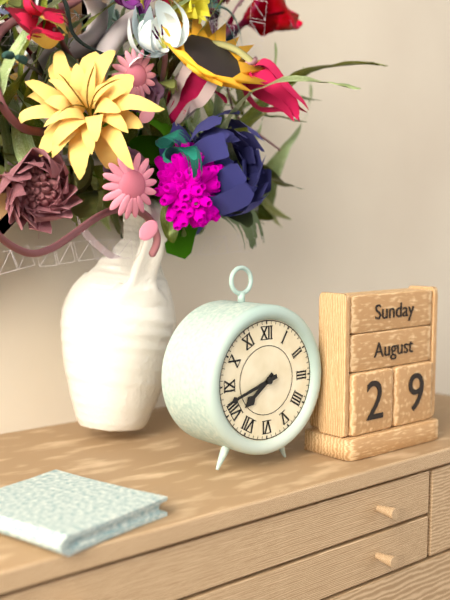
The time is 7,42
